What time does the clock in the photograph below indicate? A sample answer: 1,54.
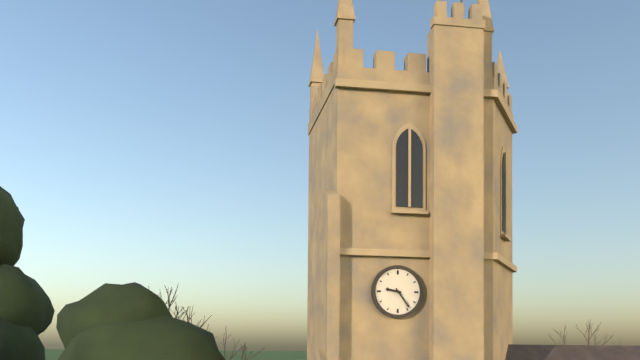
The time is 9,24
